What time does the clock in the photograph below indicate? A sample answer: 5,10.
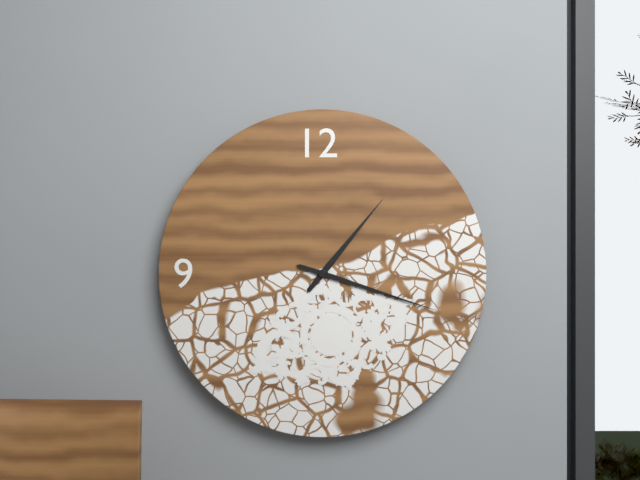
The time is 1,18
